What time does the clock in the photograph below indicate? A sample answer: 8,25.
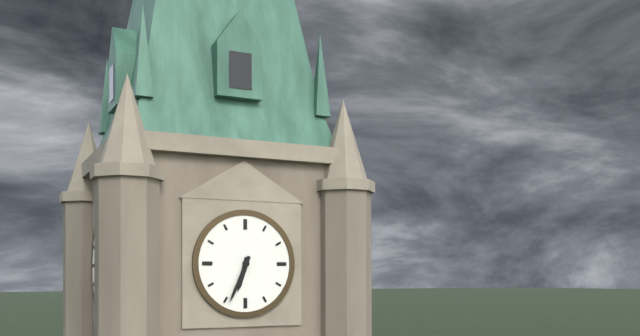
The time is 6,34
